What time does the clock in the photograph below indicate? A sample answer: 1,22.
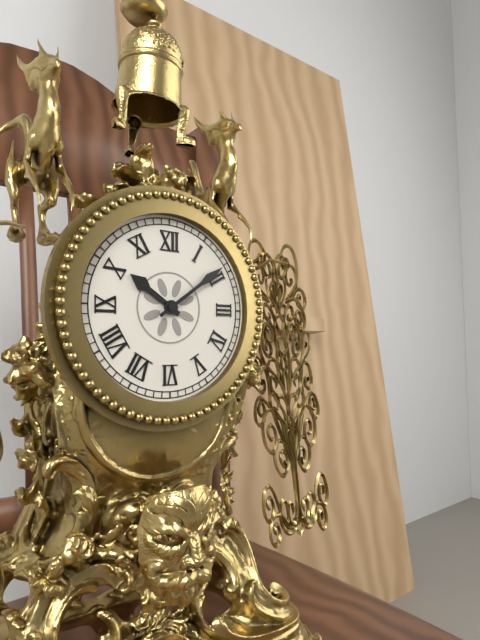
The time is 10,09
